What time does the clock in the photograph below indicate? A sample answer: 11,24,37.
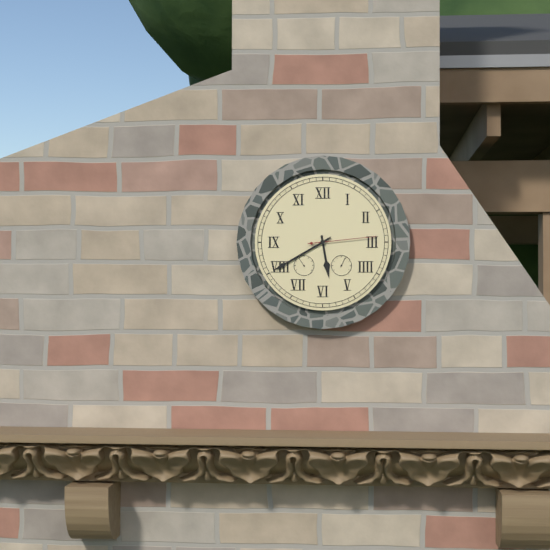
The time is 5,40,14
